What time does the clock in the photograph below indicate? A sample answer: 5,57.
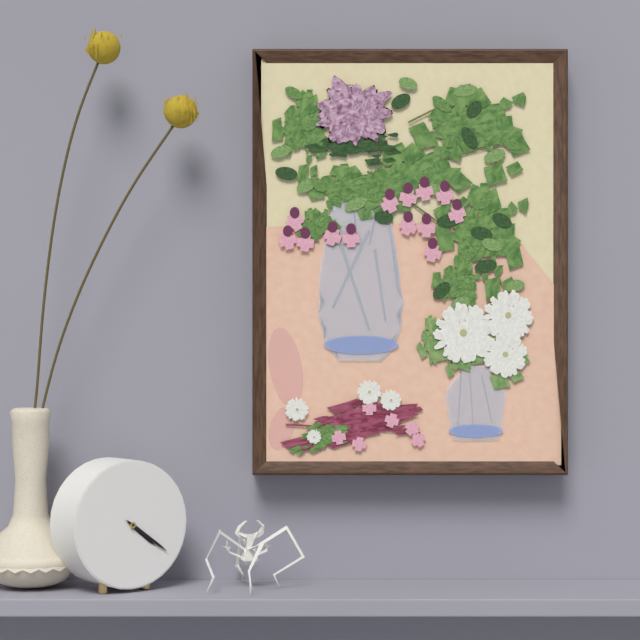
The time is 4,21
